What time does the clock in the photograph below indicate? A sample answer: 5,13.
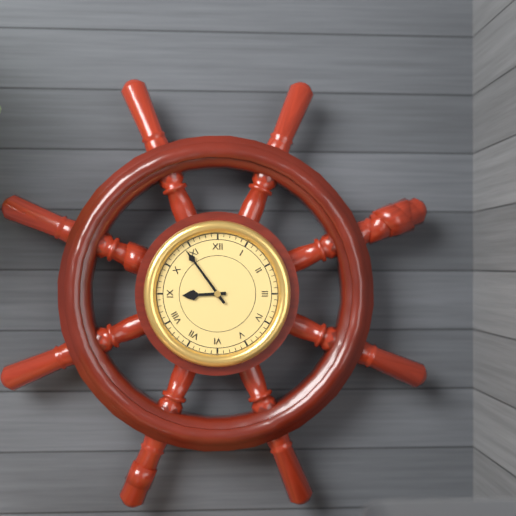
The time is 8,54
